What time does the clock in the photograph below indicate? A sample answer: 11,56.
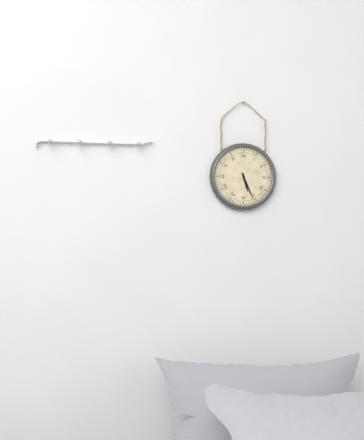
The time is 5,26
